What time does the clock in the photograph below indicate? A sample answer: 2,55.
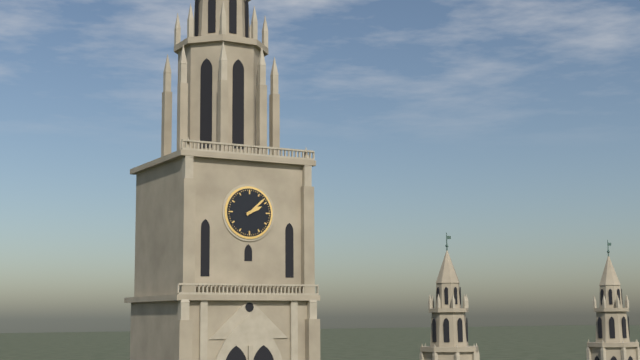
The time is 2,08
